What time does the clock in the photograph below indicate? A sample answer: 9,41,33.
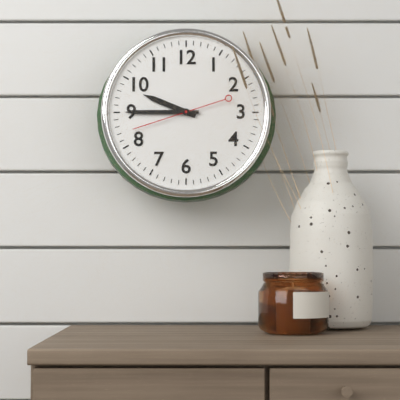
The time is 9,45,42
